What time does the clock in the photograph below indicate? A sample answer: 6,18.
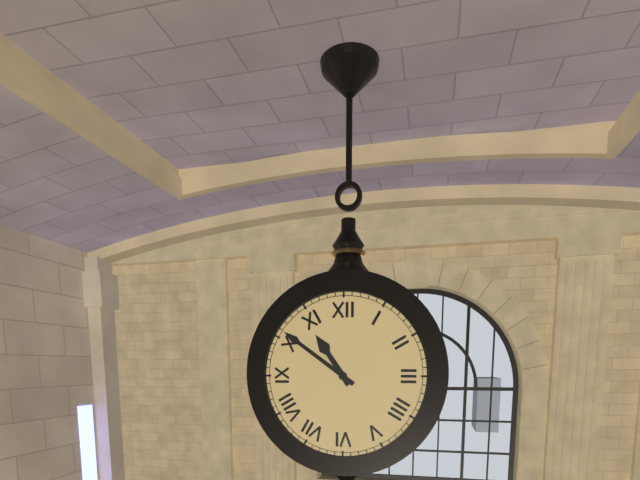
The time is 10,51
